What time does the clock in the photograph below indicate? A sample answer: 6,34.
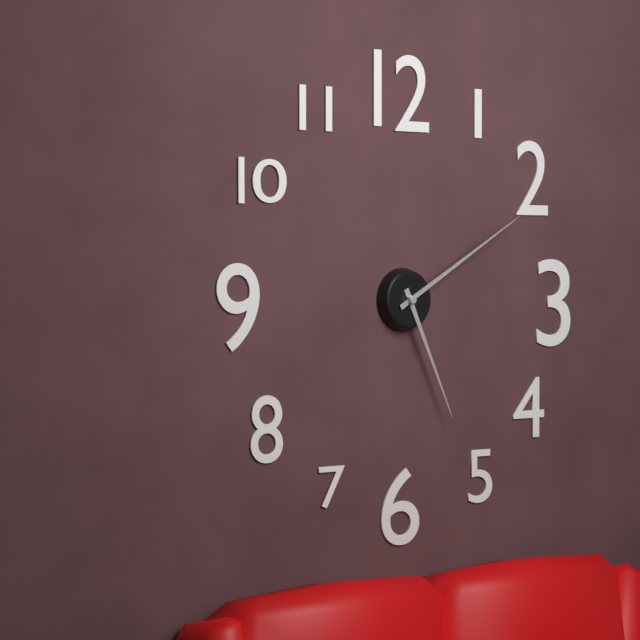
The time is 5,10
